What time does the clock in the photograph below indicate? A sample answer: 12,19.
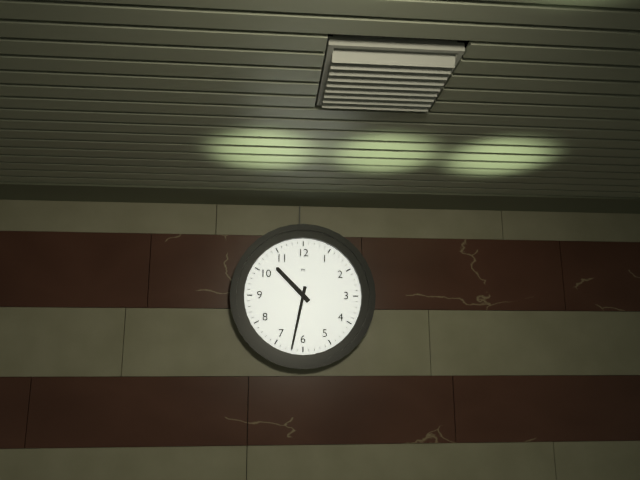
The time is 10,32
